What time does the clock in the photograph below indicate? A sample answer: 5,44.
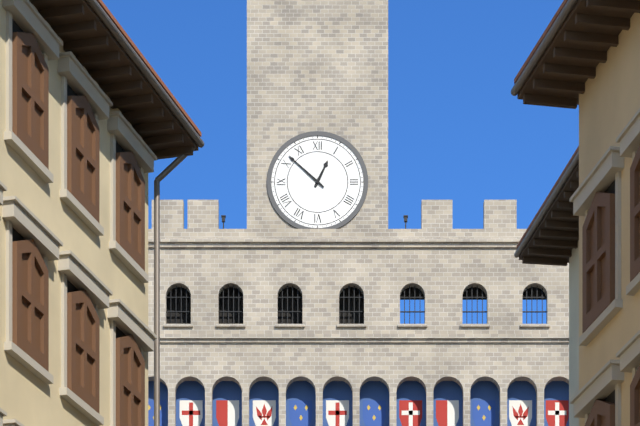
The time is 12,52
